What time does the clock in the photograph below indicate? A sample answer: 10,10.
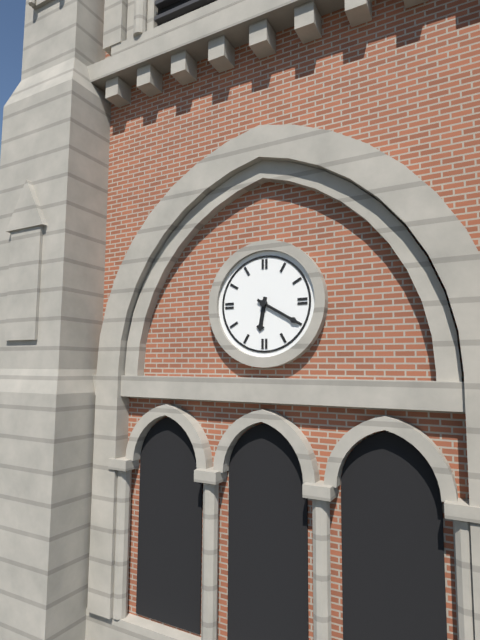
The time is 6,20
